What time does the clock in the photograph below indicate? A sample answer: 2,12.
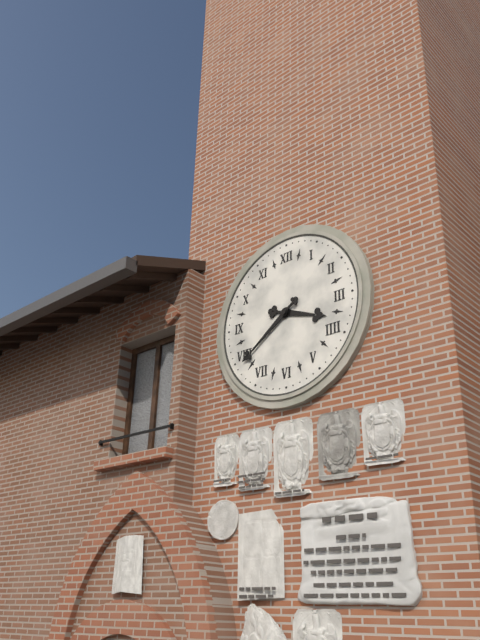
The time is 3,39
